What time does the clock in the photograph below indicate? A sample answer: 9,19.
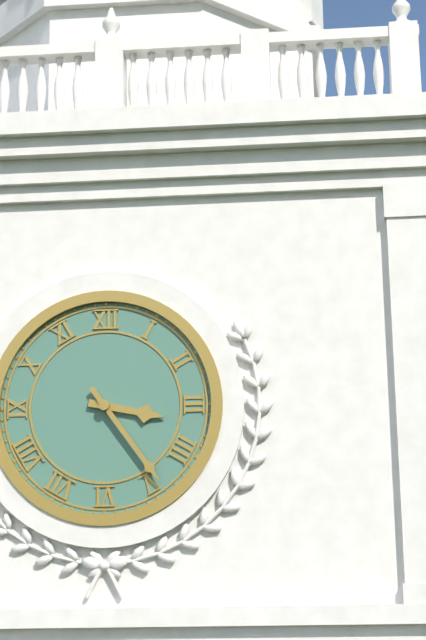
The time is 3,24
